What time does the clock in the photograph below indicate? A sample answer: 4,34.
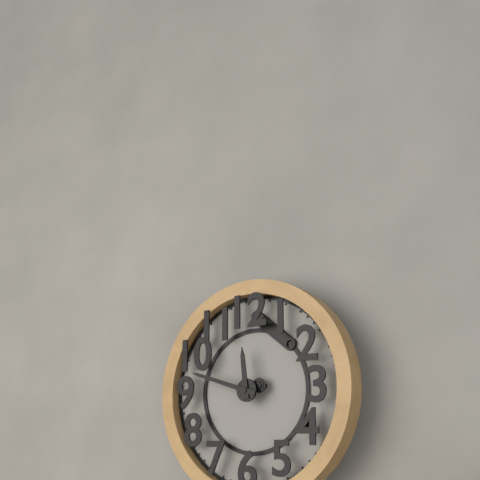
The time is 11,48
